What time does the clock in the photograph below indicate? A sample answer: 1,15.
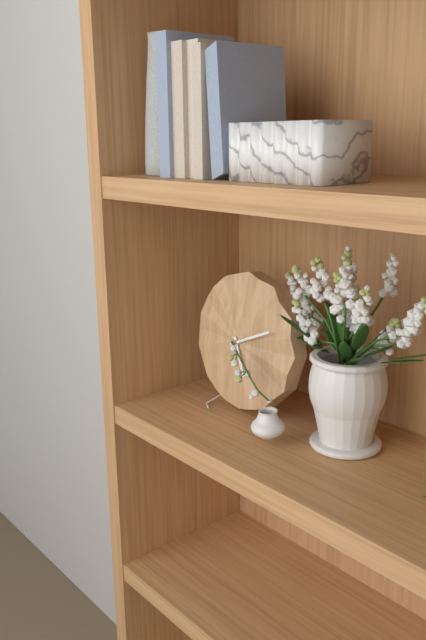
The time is 5,11
